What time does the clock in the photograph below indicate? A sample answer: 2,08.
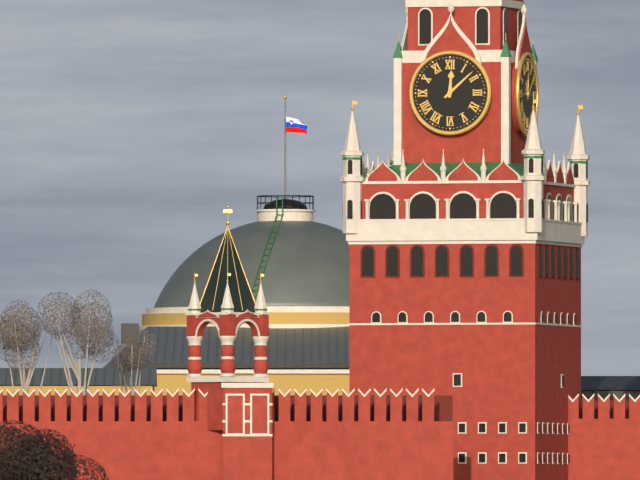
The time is 12,08
